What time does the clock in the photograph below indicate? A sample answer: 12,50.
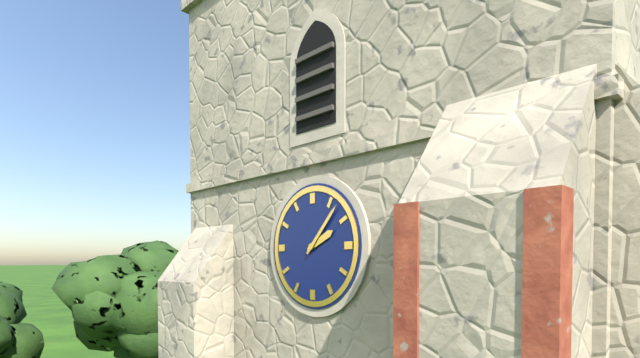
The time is 2,07
